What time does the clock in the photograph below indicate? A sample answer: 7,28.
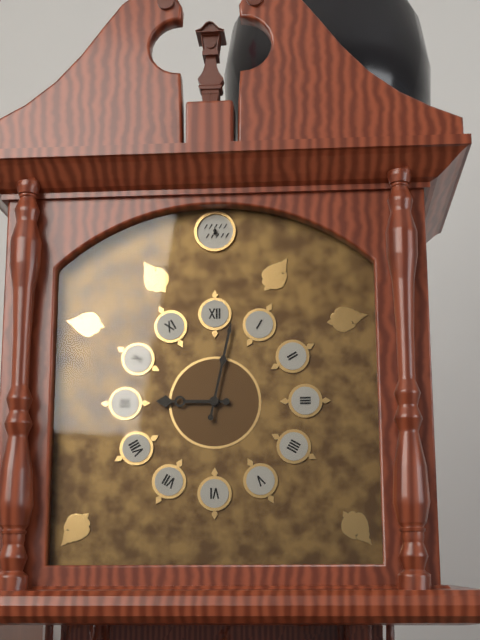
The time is 9,02
